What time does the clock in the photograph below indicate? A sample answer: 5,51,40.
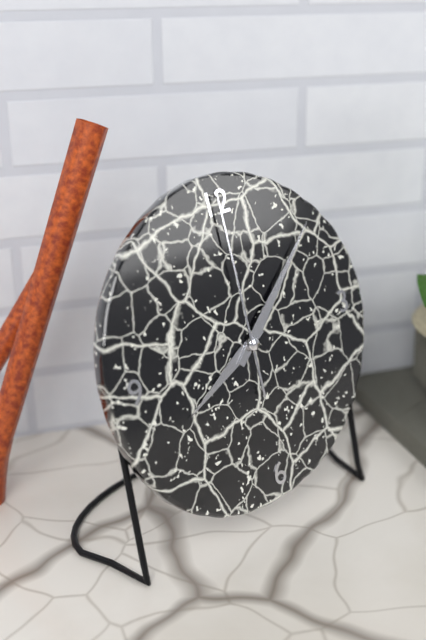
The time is 8,08,00
